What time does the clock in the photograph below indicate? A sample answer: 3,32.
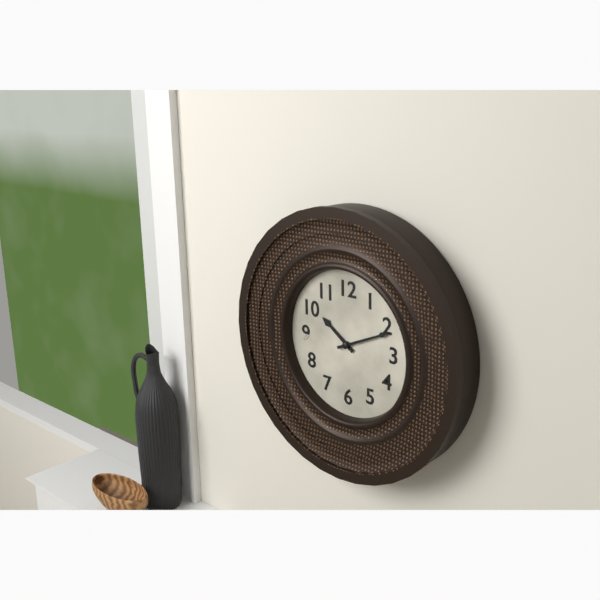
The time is 10,11
